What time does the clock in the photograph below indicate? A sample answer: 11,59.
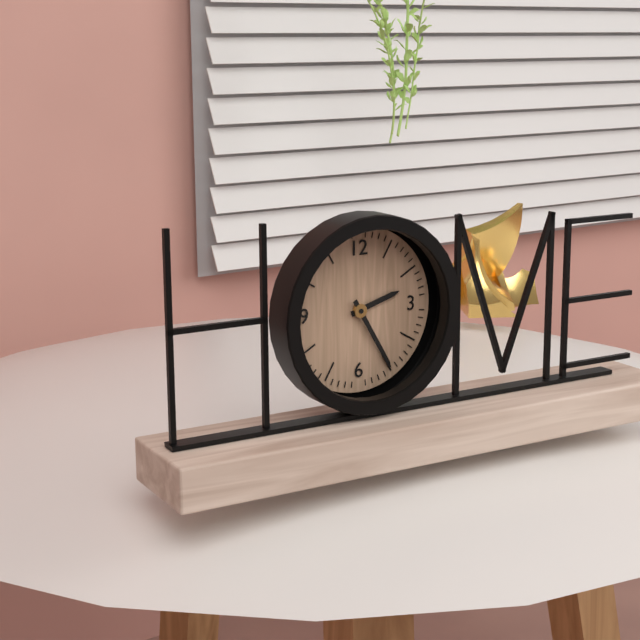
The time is 2,25
